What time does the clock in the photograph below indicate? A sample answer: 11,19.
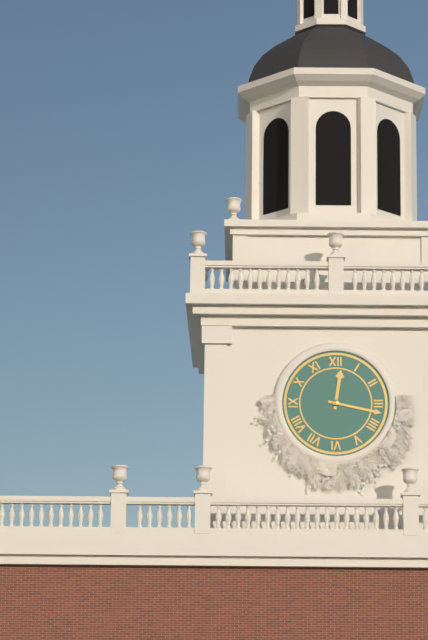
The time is 12,17
